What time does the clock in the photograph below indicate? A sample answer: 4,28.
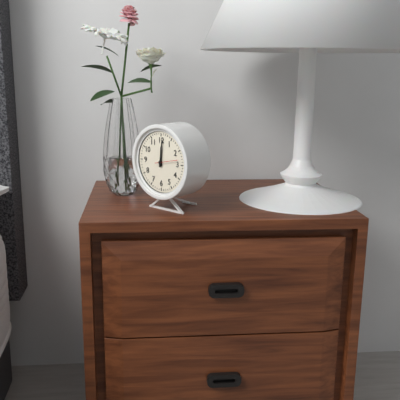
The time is 12,01
